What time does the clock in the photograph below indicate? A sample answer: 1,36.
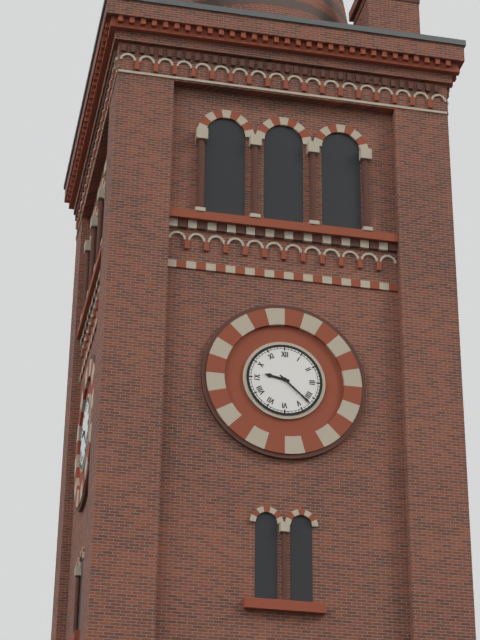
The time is 9,22
